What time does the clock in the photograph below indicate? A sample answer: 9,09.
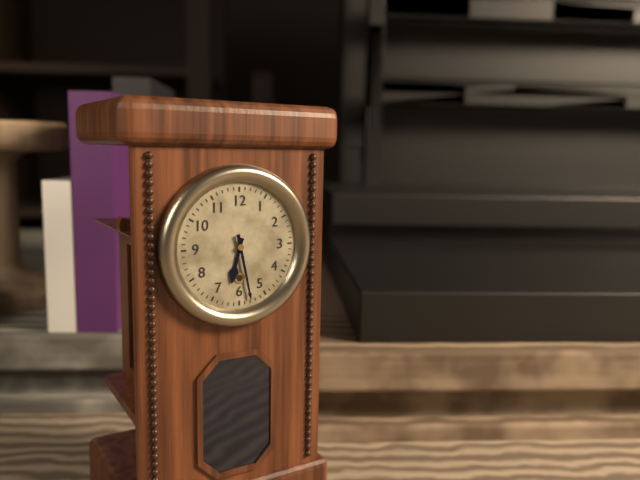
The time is 6,28
